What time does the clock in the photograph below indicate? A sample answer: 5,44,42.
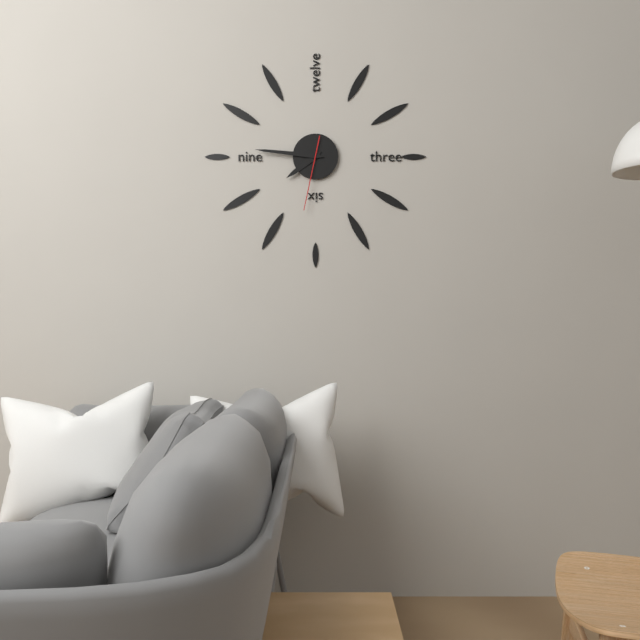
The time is 7,46,32
